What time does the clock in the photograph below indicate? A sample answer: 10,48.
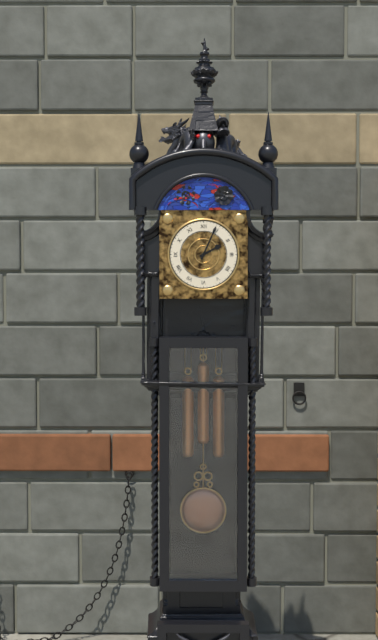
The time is 2,04
